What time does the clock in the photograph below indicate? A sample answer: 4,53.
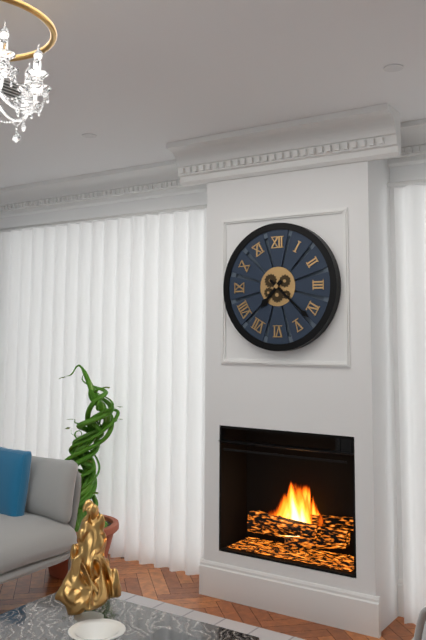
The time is 7,22
